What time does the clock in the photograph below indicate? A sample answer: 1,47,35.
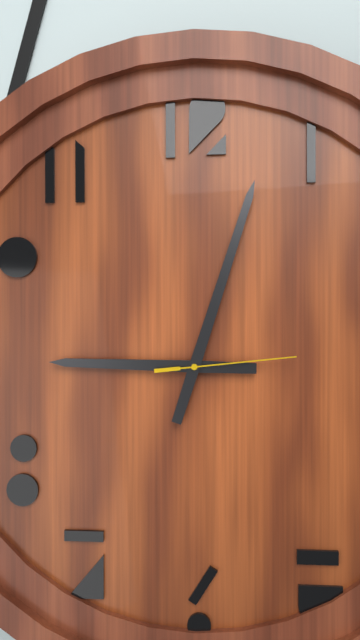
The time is 9,03,14
